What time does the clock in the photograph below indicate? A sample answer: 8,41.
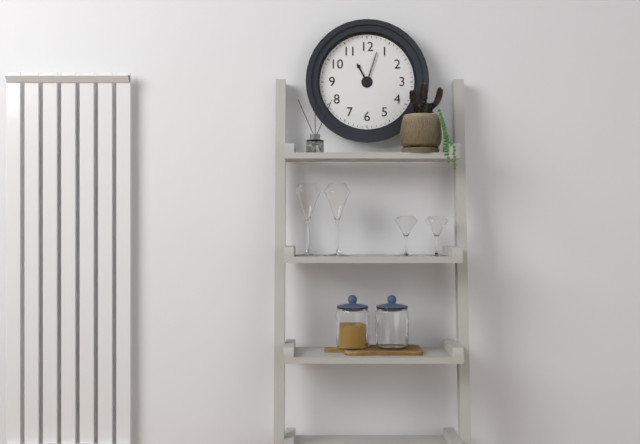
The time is 11,03
